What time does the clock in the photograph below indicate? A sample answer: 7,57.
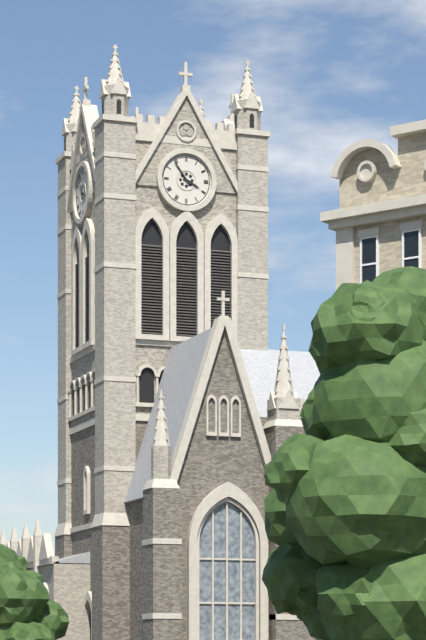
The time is 3,54
